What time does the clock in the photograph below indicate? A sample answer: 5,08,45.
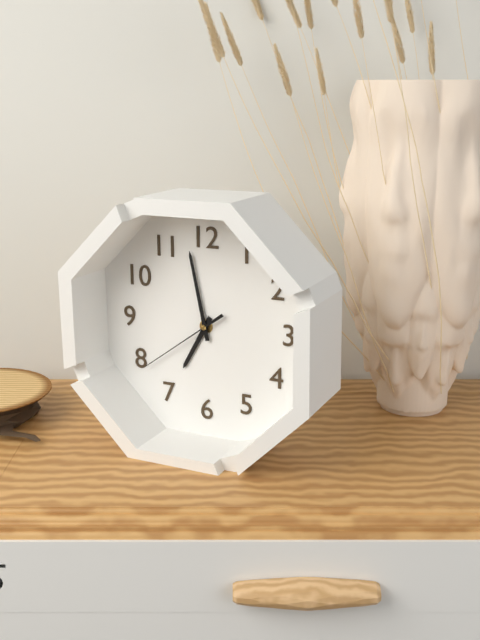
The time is 6,58,39
